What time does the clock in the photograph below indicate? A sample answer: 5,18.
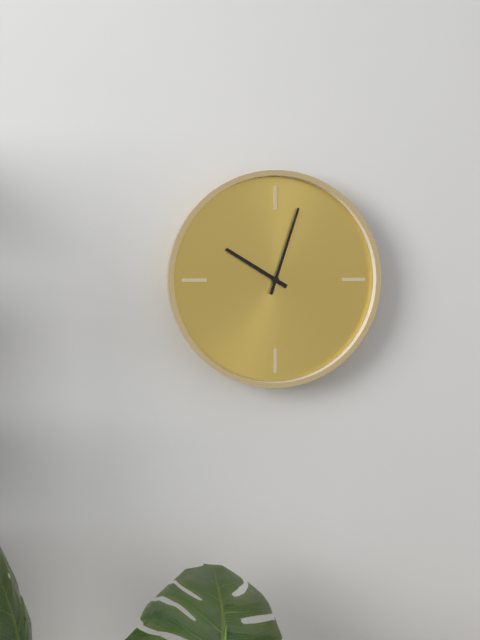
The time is 10,03
